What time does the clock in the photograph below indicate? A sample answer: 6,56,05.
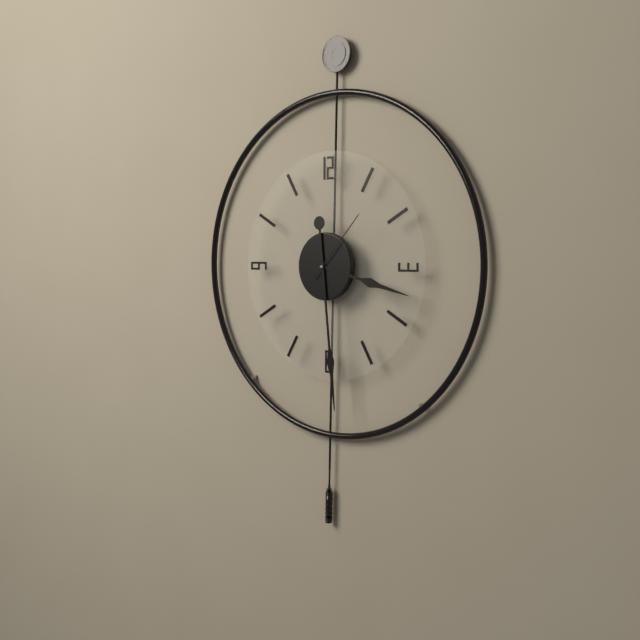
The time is 3,29,07
